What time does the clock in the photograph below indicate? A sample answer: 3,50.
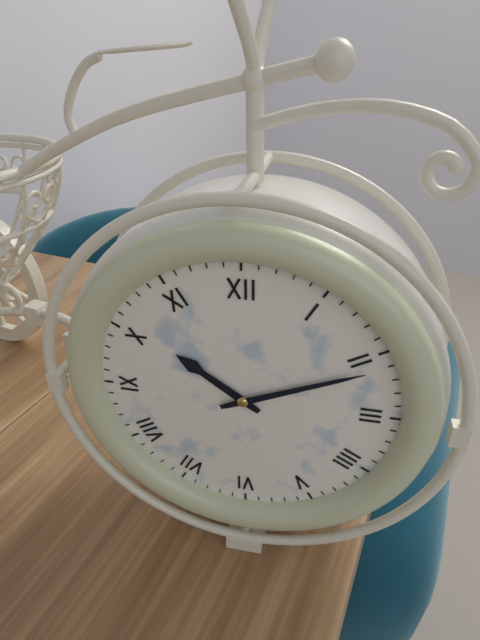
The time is 10,11
